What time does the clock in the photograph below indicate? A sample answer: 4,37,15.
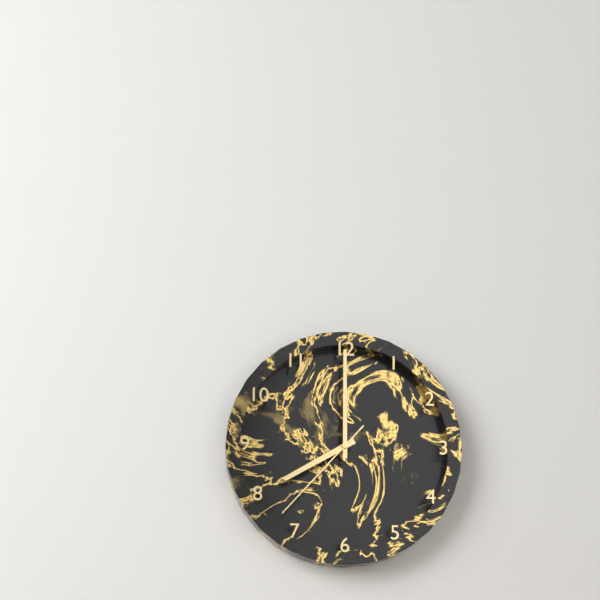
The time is 8,00,37
